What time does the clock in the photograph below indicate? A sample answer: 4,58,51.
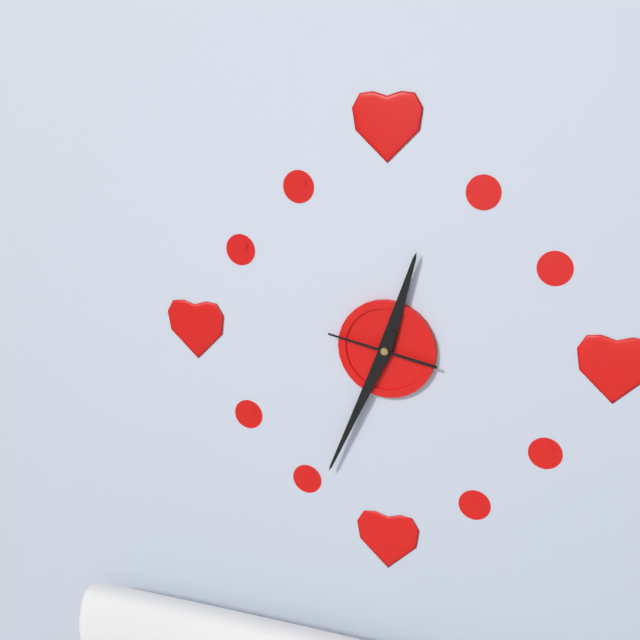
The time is 12,34,47
